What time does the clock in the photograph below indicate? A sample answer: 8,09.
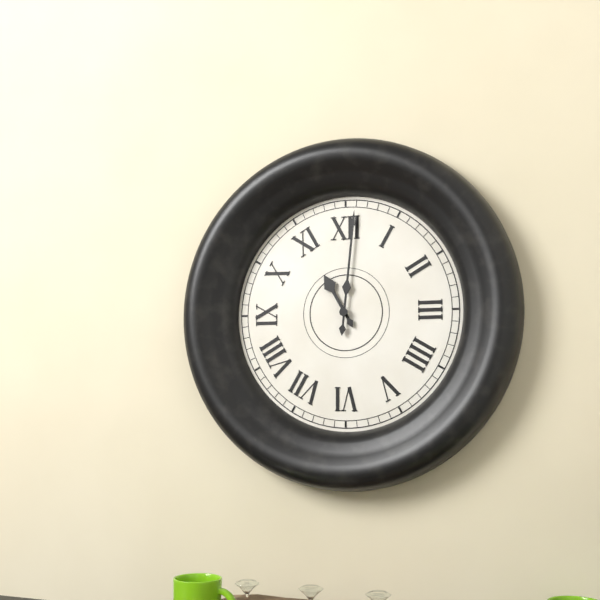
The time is 11,01
